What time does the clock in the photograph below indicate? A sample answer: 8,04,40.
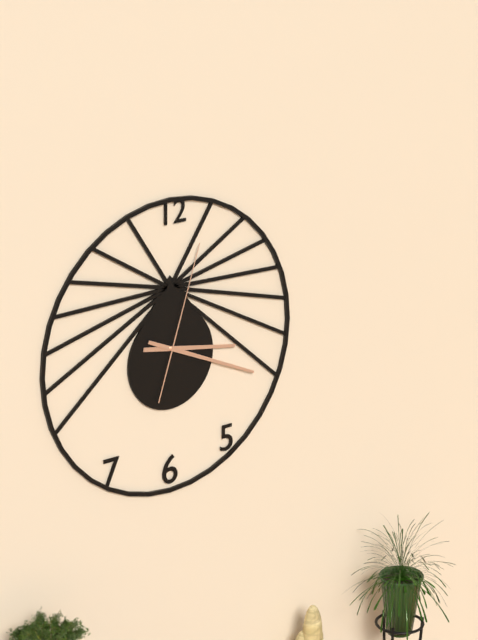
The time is 3,19,03
